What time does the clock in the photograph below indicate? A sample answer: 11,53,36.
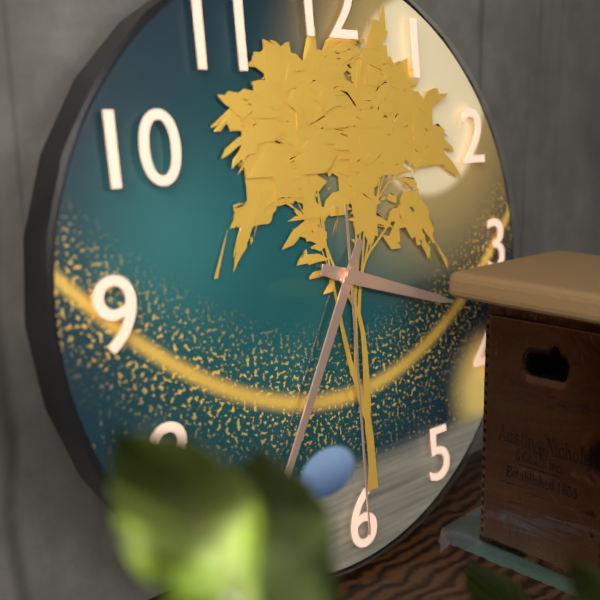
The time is 3,35,30
